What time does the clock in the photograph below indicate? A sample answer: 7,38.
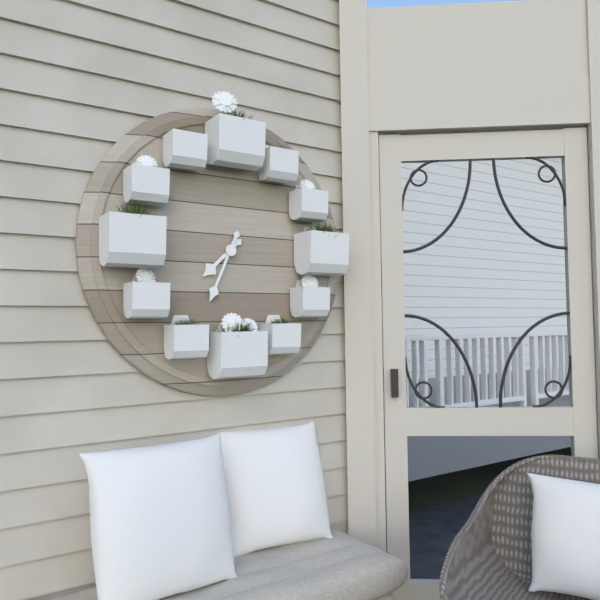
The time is 7,34
